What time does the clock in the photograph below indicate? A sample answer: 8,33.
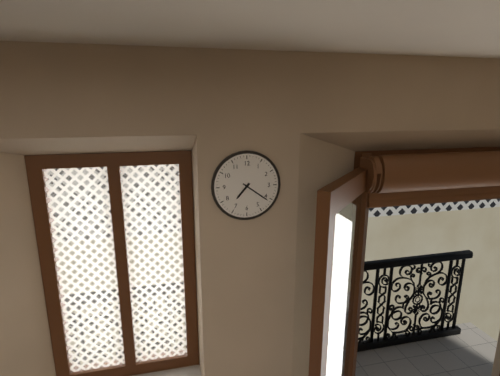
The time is 7,21
